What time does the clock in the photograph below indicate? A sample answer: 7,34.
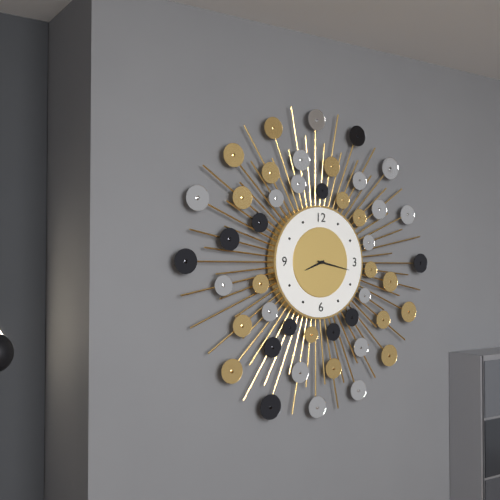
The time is 8,17
